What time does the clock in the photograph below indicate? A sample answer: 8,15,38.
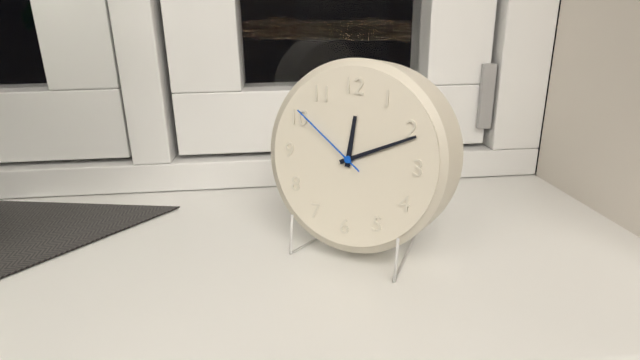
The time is 12,11,51
